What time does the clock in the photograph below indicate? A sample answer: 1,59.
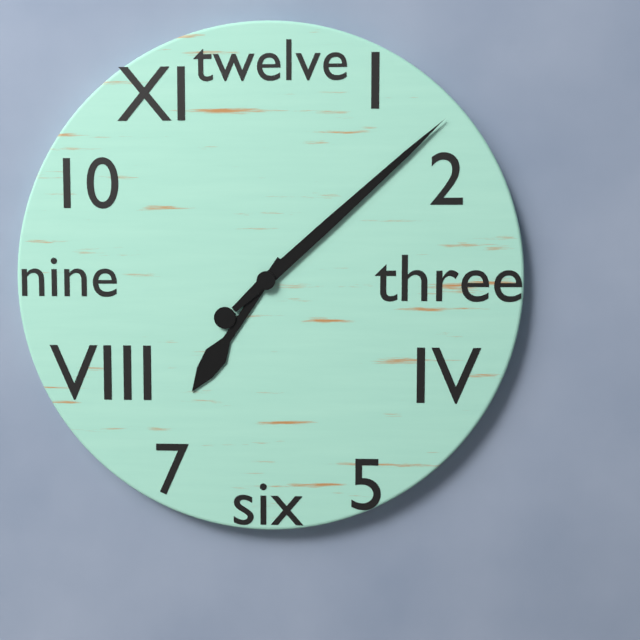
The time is 7,08
